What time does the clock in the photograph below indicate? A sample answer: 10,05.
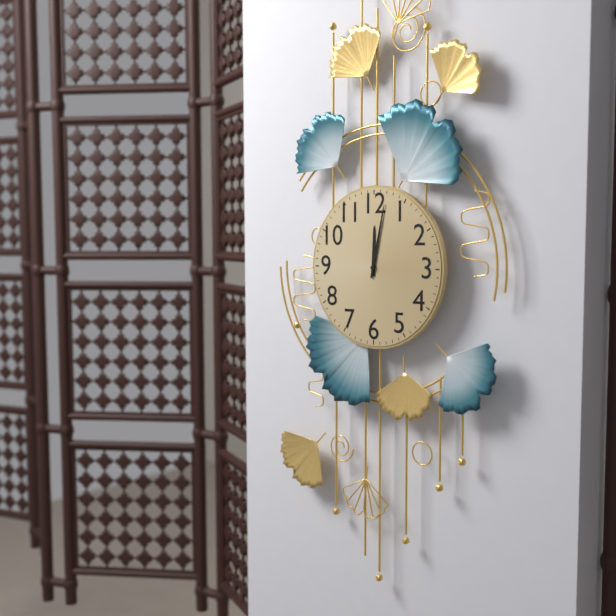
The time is 12,02
